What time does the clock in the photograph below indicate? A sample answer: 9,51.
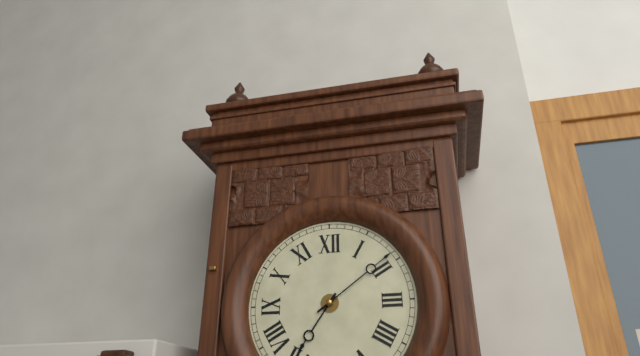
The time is 7,09
